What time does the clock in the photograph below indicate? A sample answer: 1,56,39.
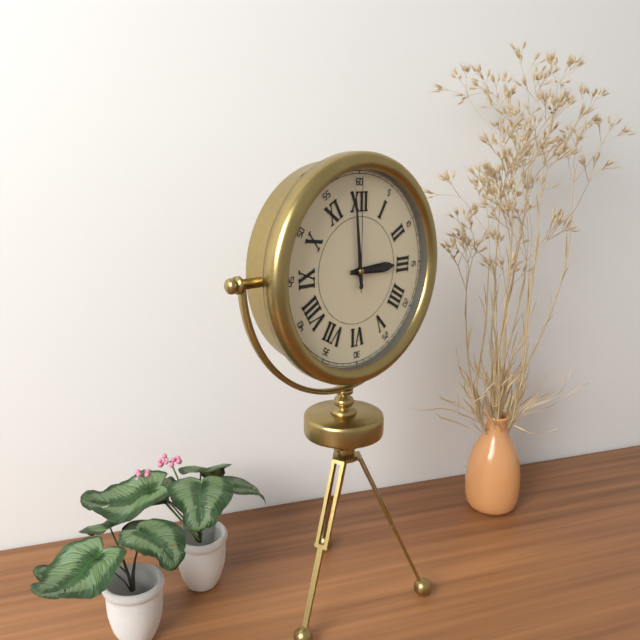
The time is 2,59,00
